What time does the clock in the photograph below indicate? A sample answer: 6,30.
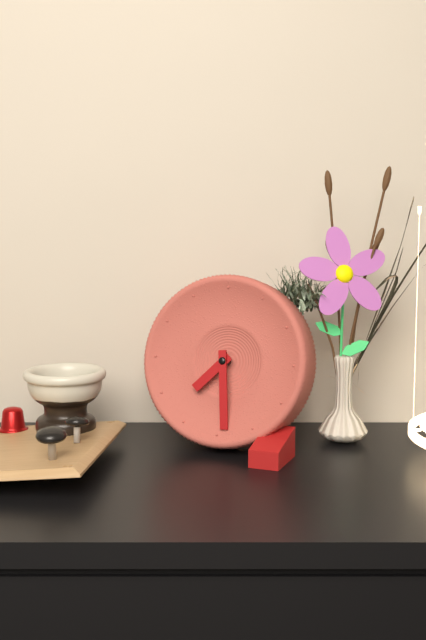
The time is 7,29
